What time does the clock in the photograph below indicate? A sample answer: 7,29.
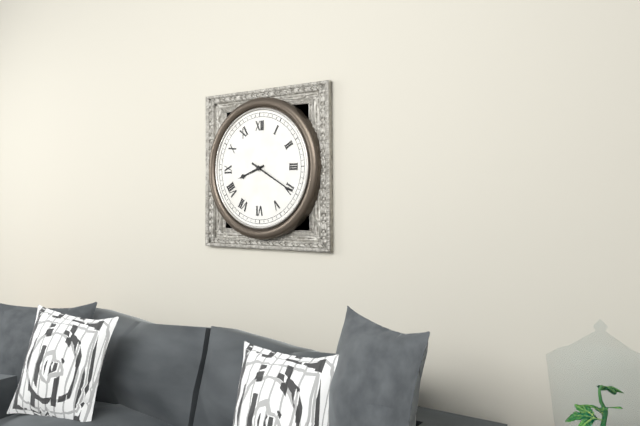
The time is 8,20
